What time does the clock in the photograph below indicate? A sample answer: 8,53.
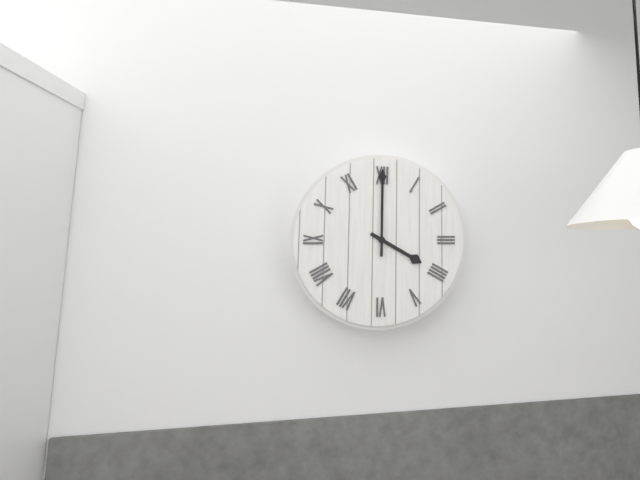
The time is 4,00
